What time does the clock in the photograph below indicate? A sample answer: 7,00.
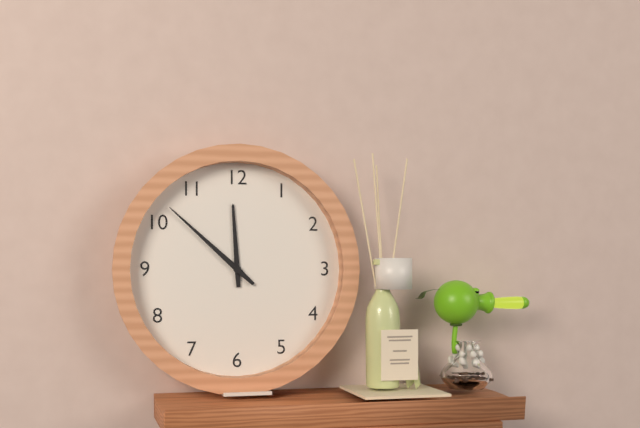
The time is 11,52
